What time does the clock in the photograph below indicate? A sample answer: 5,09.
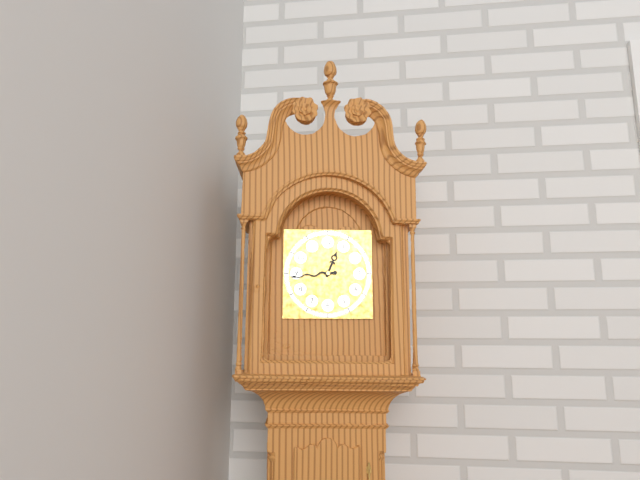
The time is 12,44
